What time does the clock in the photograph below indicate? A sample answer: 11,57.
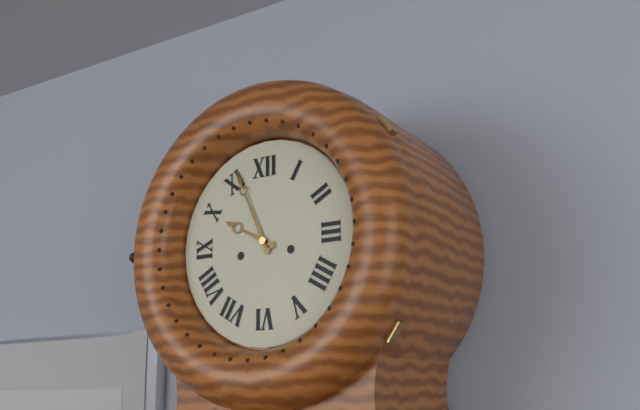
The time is 9,56
